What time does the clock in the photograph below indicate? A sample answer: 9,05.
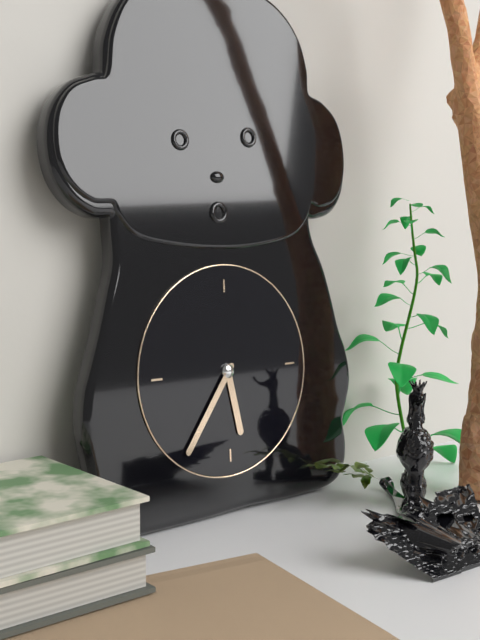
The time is 5,36
